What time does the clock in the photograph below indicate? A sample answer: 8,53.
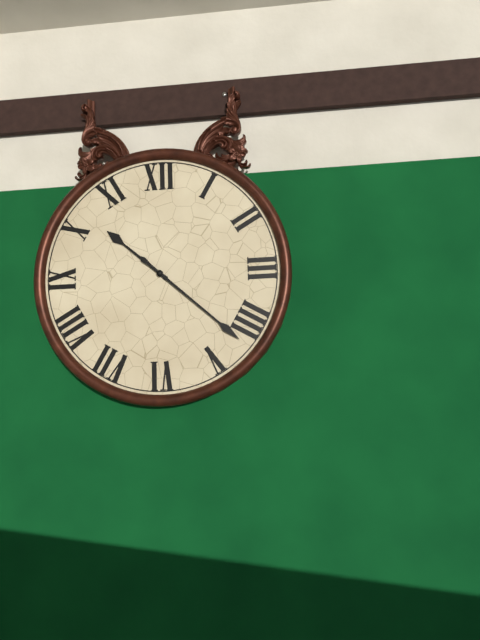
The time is 10,22
